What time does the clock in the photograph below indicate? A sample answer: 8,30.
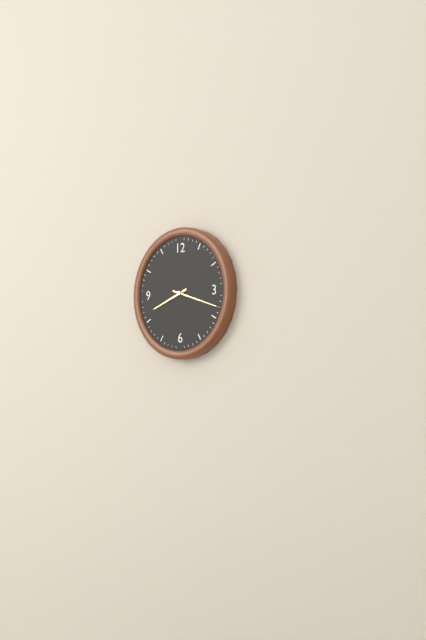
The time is 8,18
